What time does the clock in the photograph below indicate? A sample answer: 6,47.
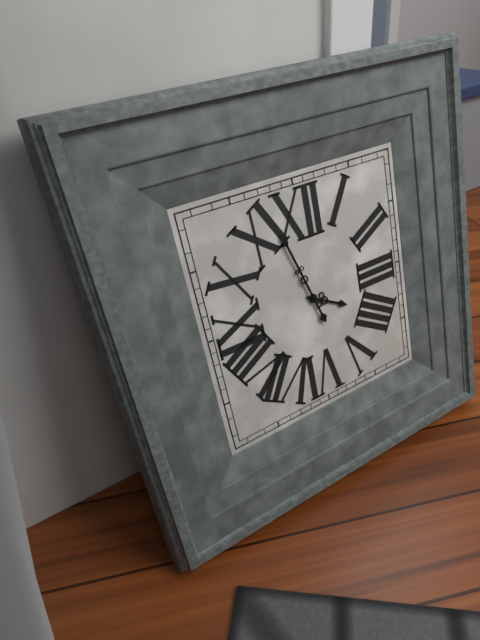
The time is 3,57
